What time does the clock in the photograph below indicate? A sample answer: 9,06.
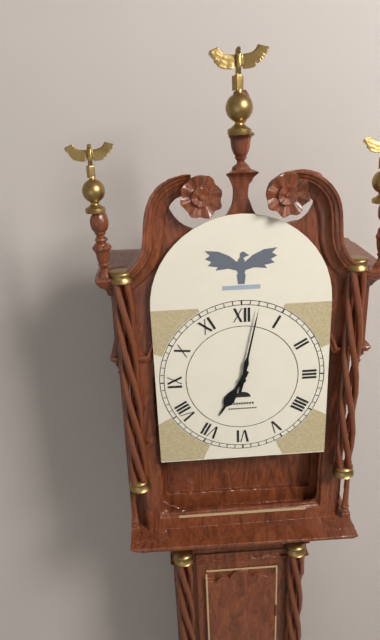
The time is 7,02
